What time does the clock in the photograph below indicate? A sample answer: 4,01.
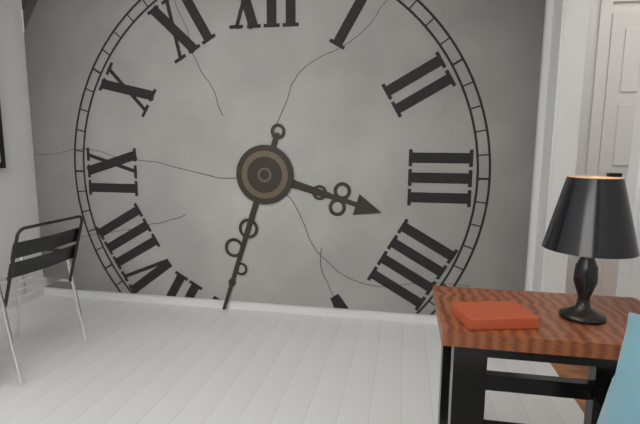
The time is 3,33
